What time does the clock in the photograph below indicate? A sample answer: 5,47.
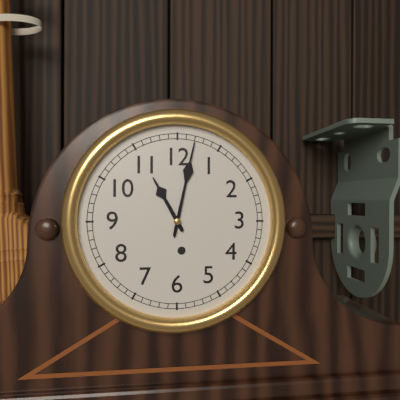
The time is 11,02
